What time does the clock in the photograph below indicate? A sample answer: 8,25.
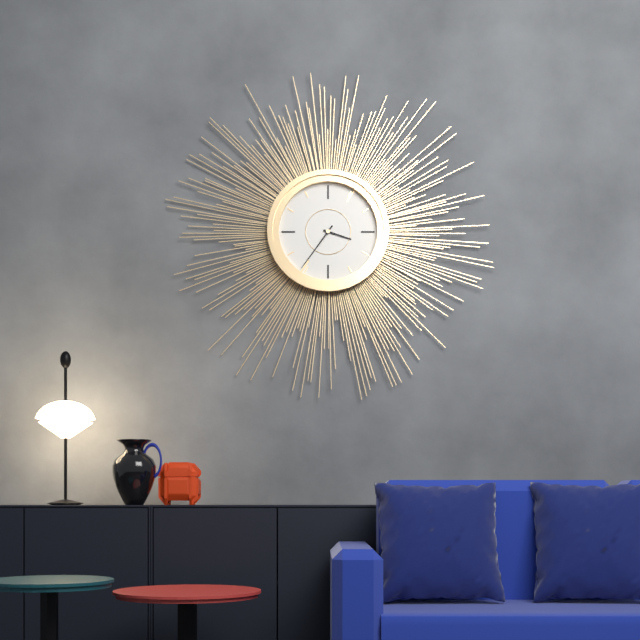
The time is 3,36
